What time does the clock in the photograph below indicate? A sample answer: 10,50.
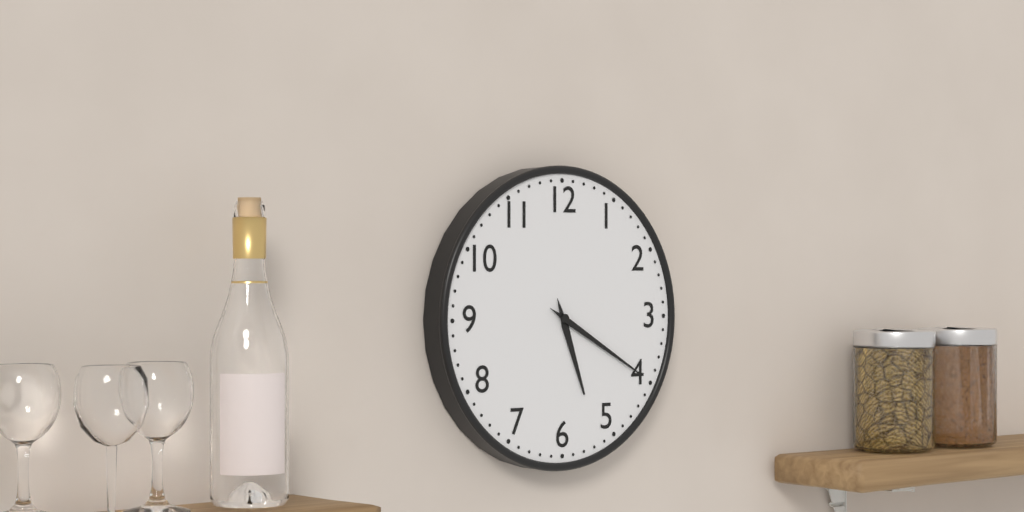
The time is 5,20
